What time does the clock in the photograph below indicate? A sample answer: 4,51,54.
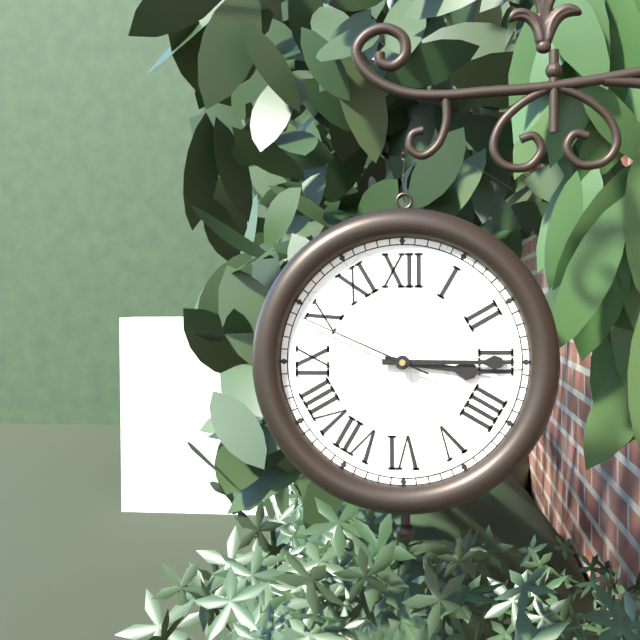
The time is 3,15,49
